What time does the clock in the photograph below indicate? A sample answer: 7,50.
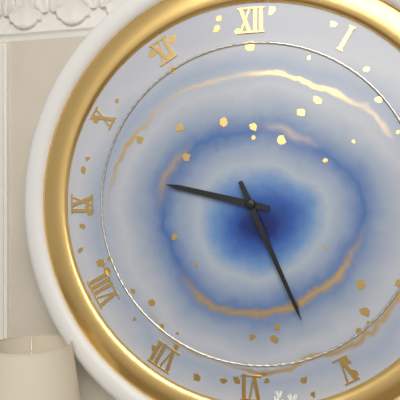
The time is 9,26
